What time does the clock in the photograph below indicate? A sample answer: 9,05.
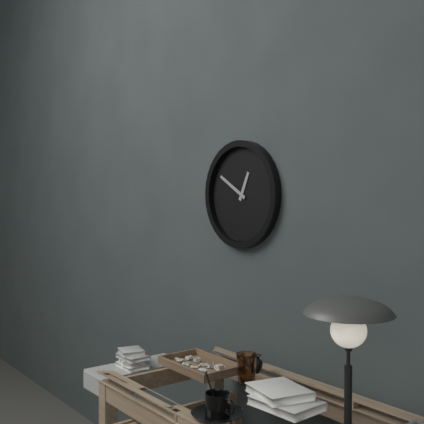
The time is 12,50
